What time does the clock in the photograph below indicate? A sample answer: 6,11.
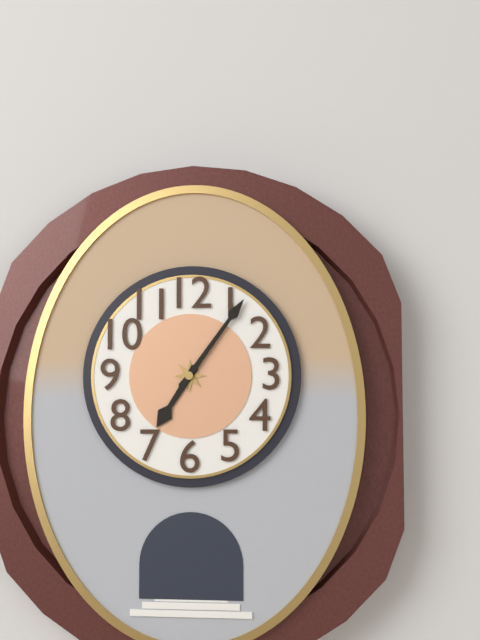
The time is 7,06
